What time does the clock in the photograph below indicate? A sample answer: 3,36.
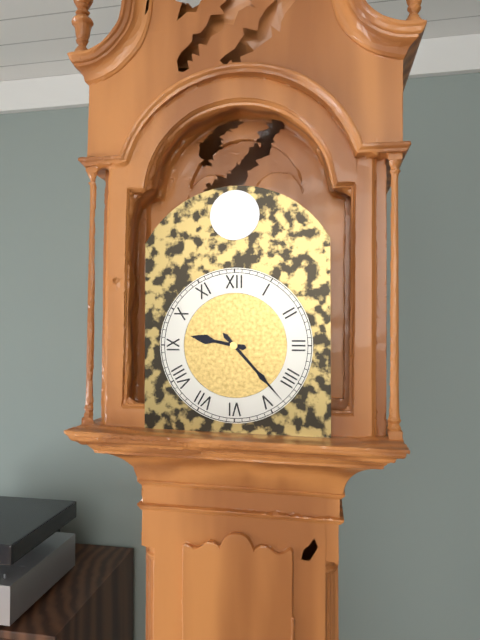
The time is 9,23
